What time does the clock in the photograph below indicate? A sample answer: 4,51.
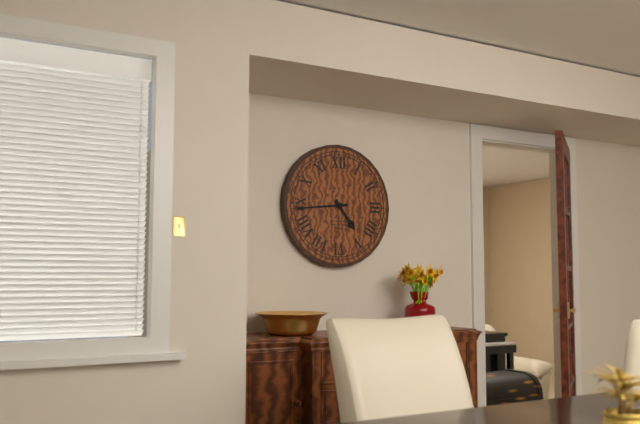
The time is 4,44
